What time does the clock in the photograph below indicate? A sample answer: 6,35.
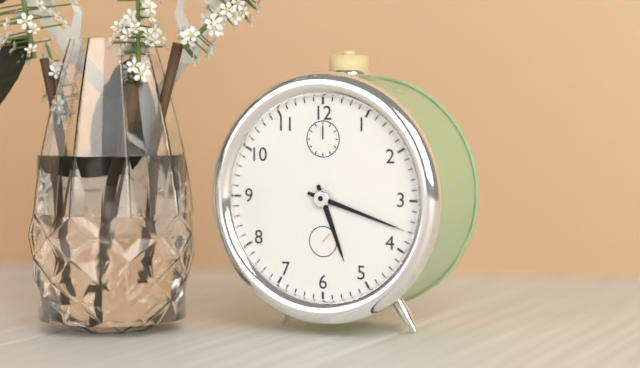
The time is 5,18
